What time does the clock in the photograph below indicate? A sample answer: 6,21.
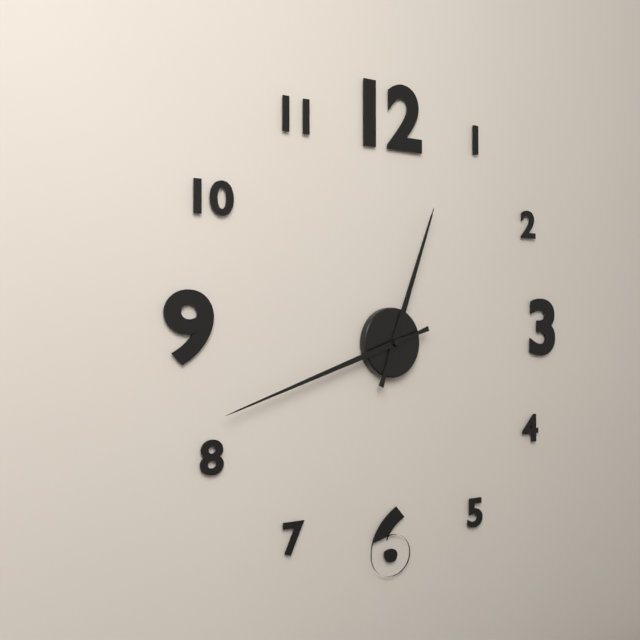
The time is 12,42
